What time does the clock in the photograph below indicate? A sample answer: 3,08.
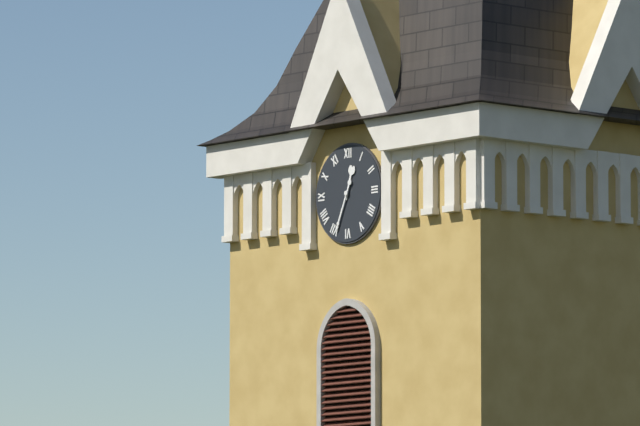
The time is 12,34
